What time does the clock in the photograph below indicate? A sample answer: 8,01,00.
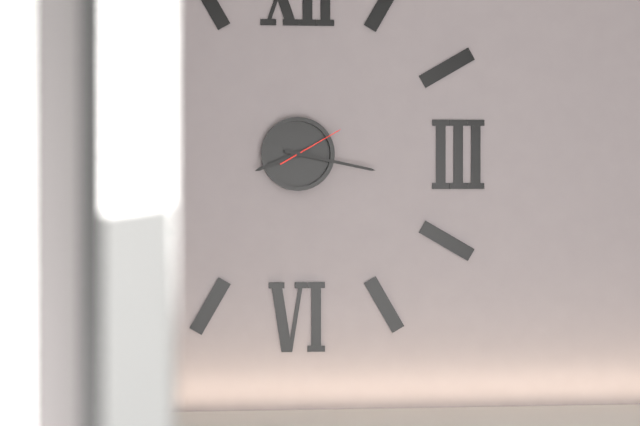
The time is 8,17,10
